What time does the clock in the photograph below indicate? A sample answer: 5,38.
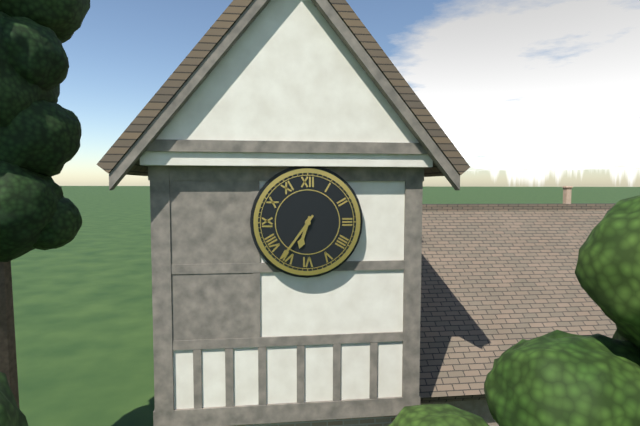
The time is 6,36
